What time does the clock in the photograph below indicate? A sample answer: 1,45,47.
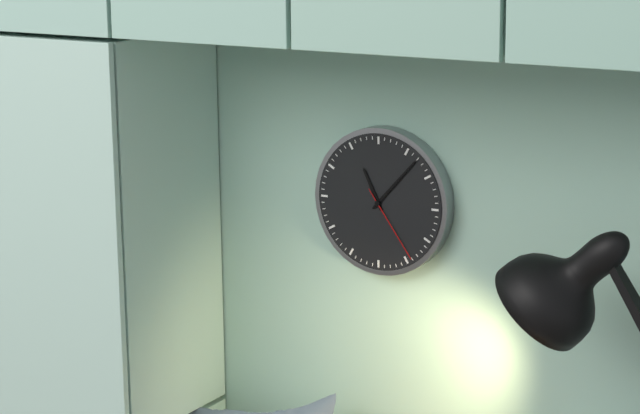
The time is 11,07,24
